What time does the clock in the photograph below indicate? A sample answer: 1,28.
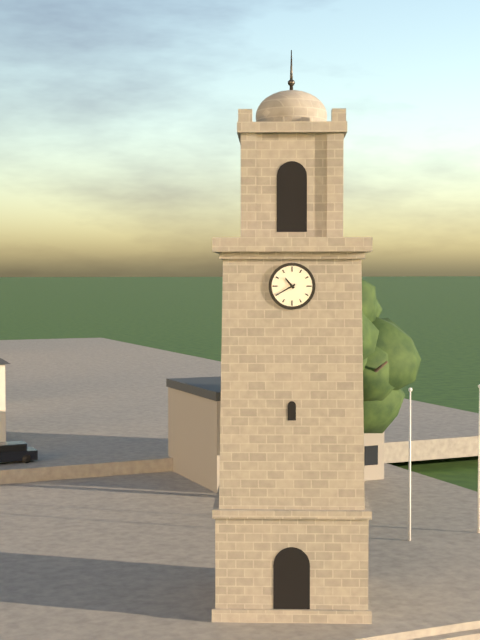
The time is 10,40
